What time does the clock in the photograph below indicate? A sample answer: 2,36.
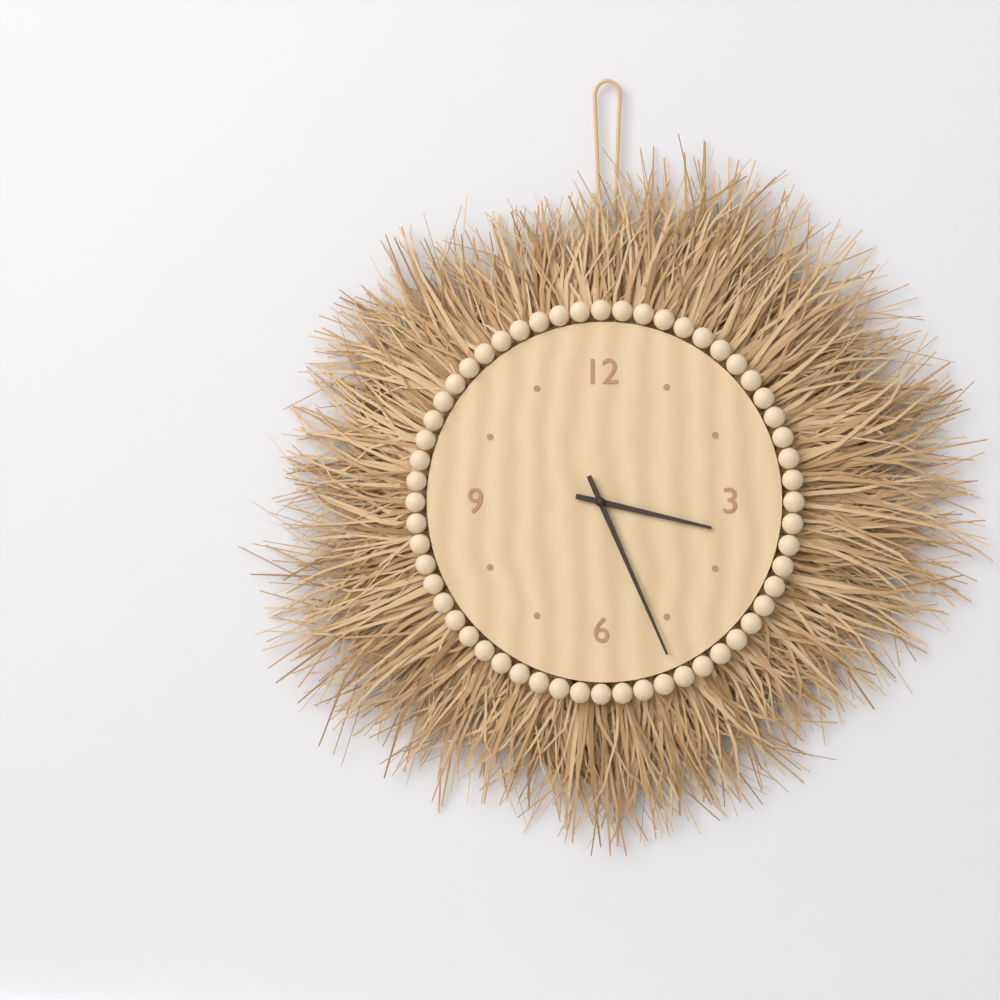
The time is 3,26
